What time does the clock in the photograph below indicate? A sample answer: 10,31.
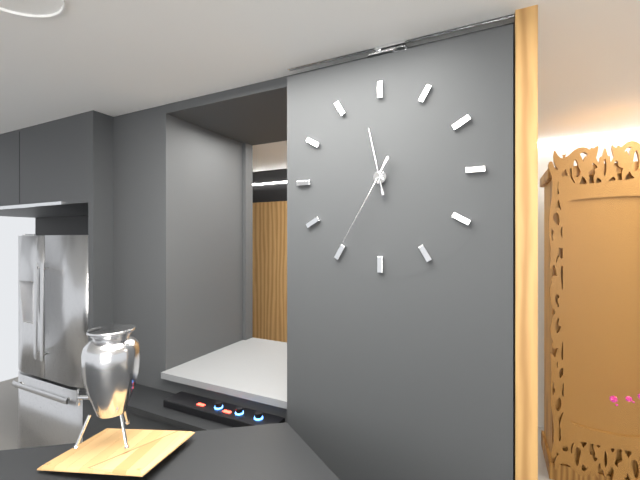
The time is 11,35
